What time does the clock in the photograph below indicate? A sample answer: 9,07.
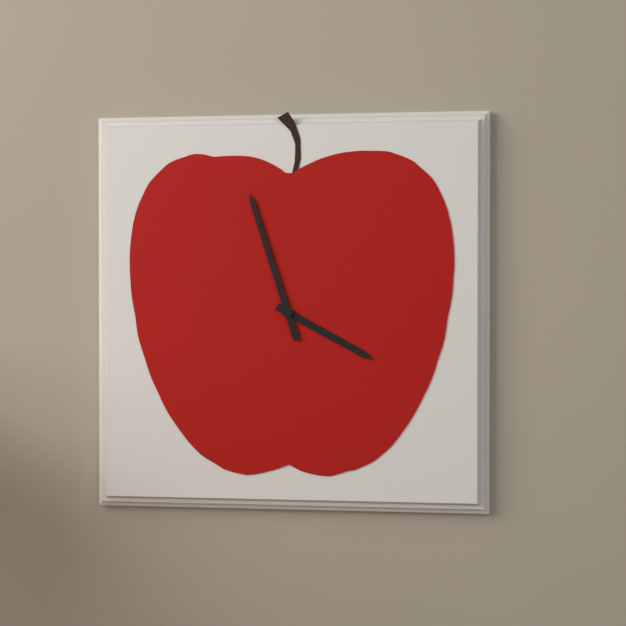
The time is 3,57
